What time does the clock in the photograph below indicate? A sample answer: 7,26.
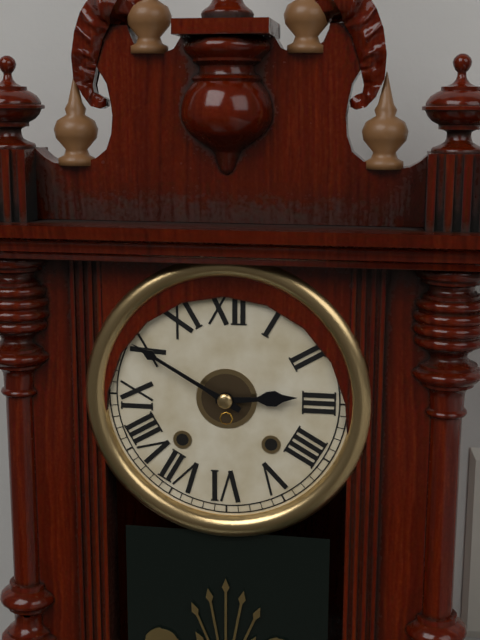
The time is 2,50
